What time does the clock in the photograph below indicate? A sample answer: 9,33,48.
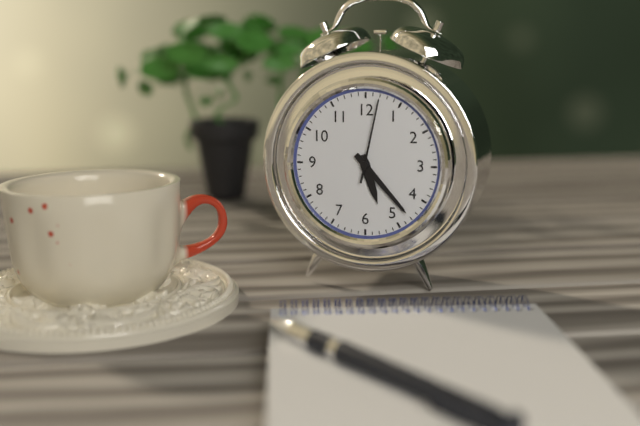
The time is 5,23,02
